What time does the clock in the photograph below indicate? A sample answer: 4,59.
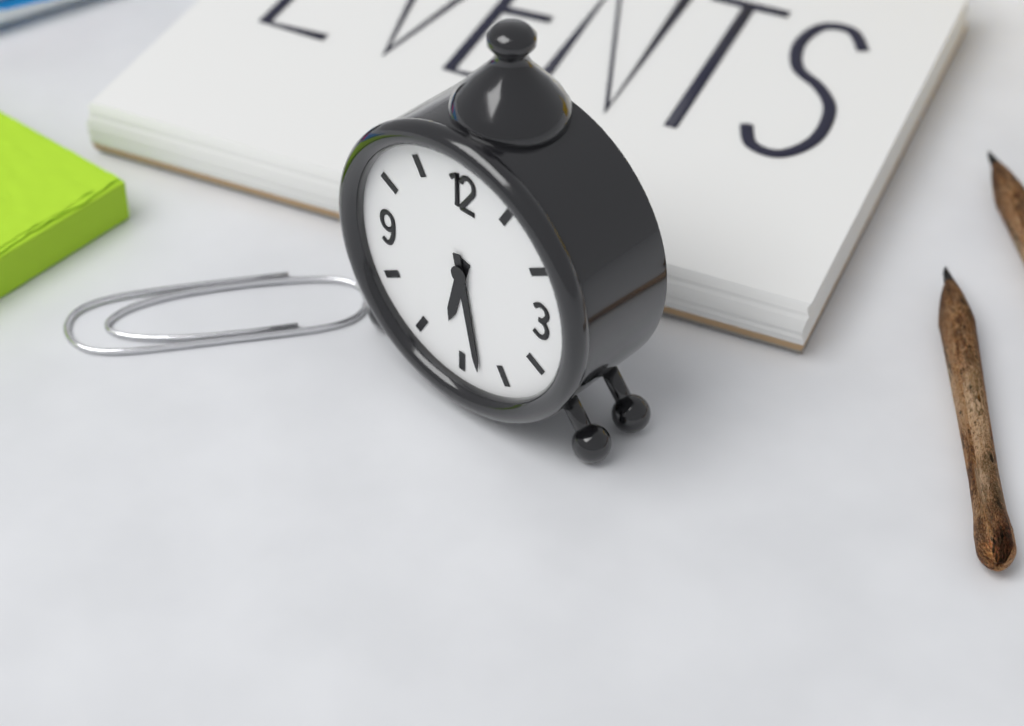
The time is 6,28
